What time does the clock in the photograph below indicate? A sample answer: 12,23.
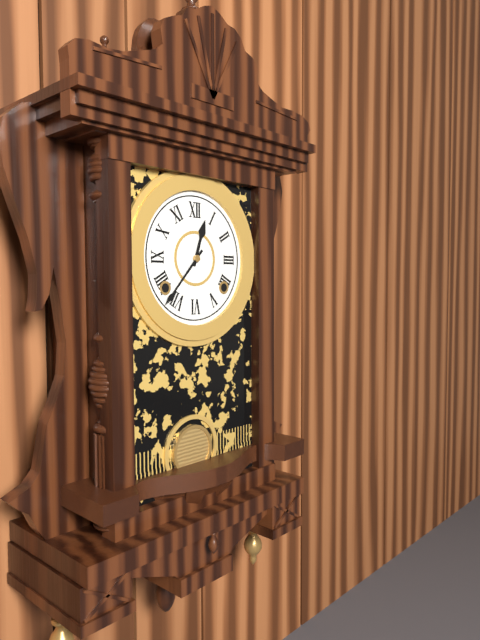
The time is 12,37
